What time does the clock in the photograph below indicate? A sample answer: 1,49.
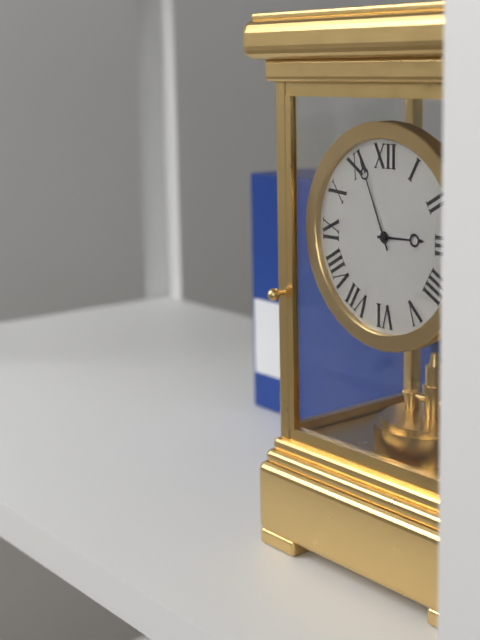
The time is 2,56
